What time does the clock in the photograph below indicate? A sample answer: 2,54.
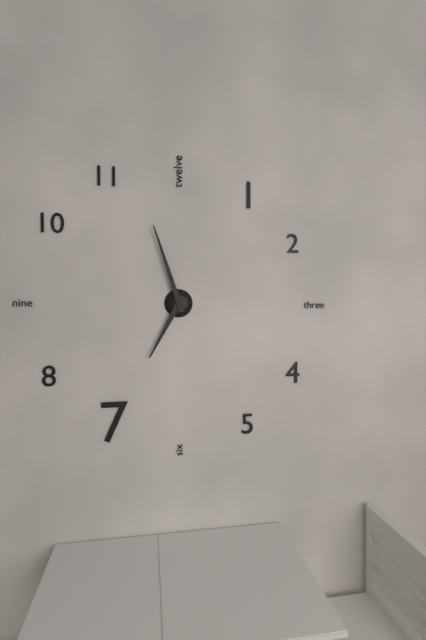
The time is 6,57
